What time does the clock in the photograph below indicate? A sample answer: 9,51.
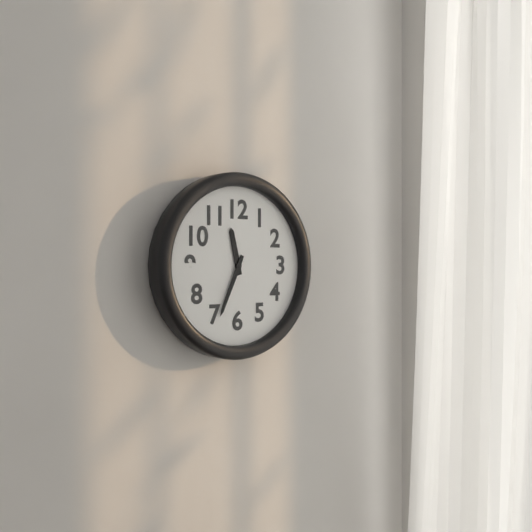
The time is 11,34
